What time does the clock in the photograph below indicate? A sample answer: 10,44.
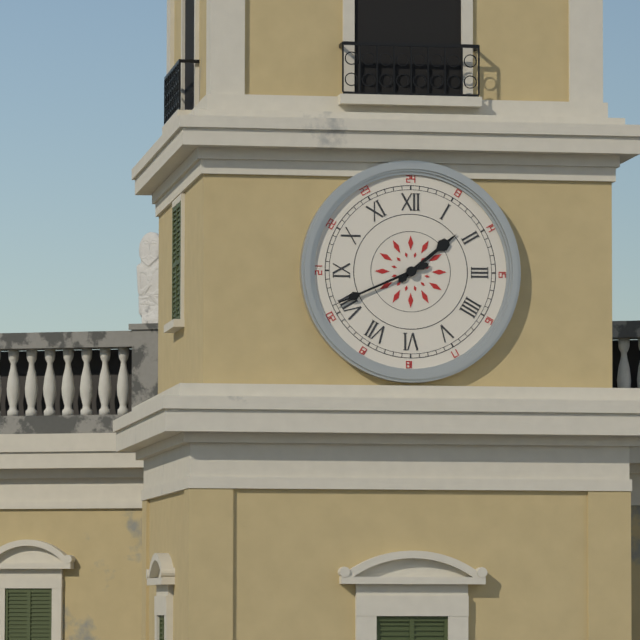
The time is 1,41
